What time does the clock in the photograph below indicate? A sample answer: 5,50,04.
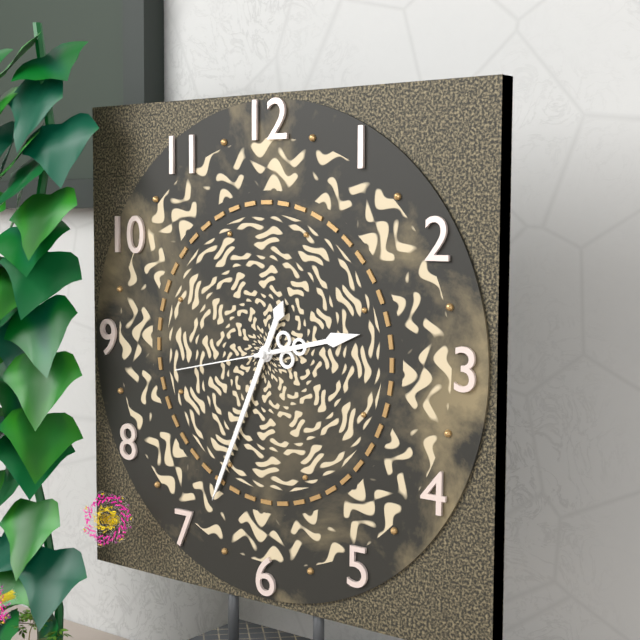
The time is 2,34,43
